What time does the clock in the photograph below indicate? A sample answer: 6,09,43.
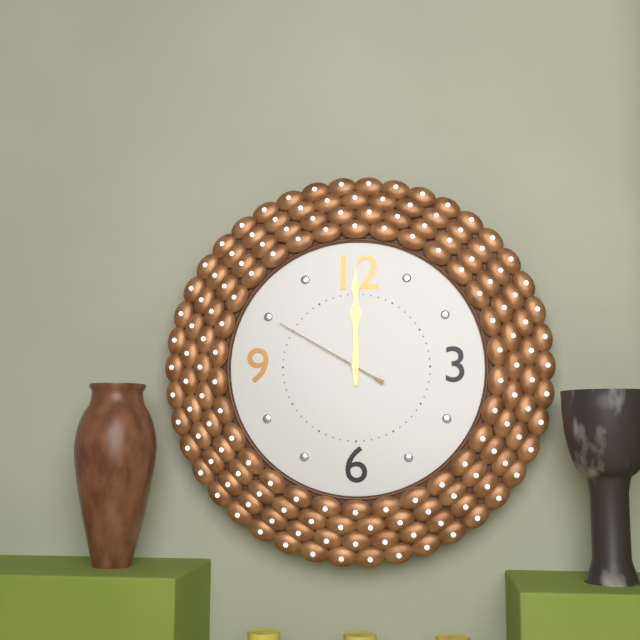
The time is 12,00,50
